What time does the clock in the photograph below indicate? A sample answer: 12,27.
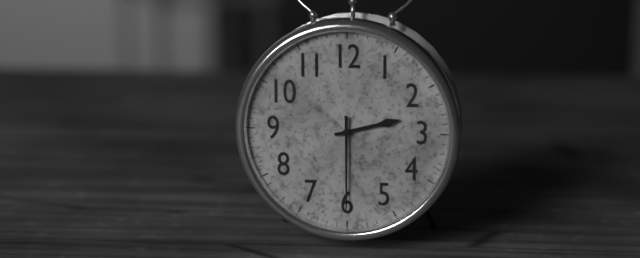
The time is 2,30
